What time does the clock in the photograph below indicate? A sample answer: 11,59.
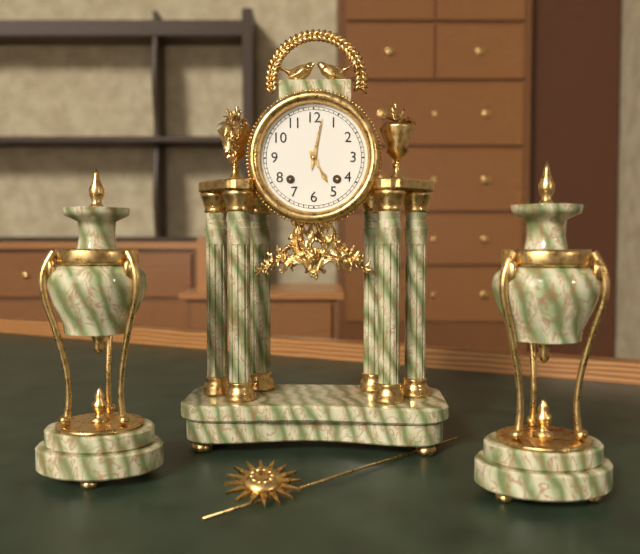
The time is 5,02
